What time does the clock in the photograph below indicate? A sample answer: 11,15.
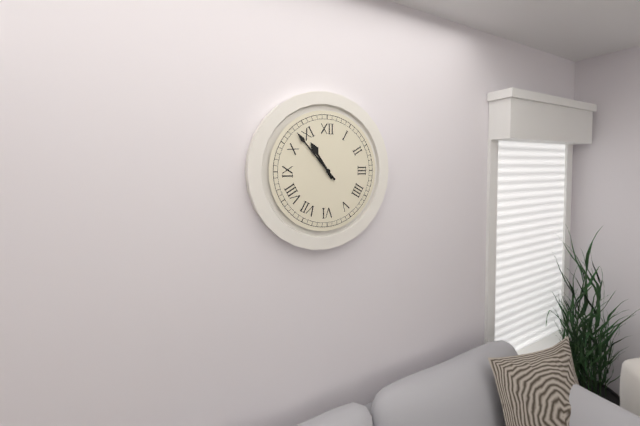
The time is 10,53
